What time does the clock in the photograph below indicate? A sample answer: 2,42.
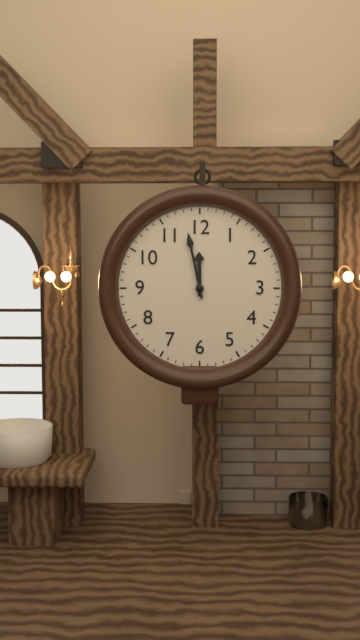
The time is 11,58
